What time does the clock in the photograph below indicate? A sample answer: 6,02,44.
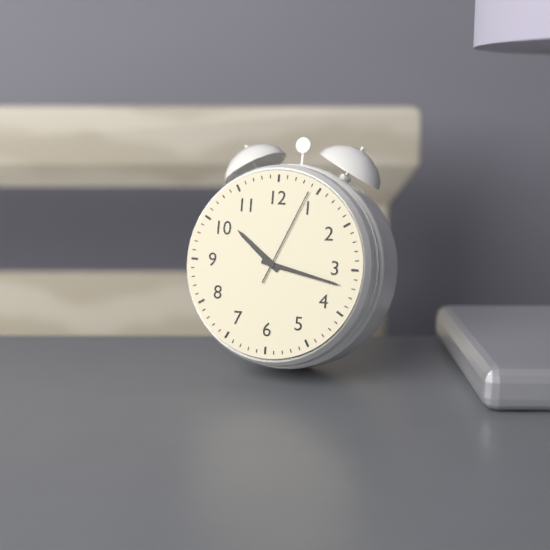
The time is 10,17,04
